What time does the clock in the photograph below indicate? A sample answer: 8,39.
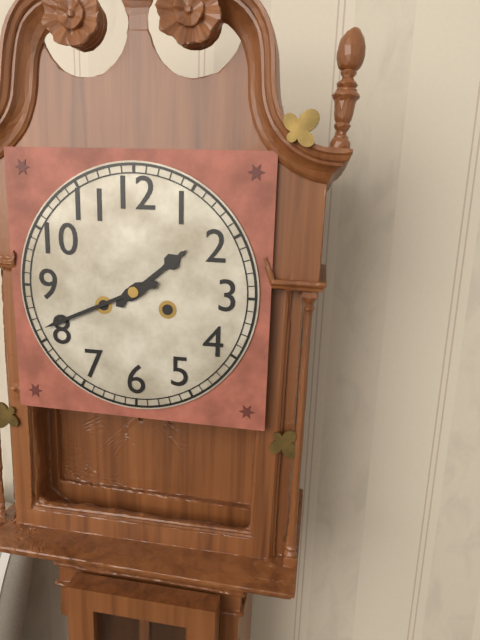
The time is 1,41
